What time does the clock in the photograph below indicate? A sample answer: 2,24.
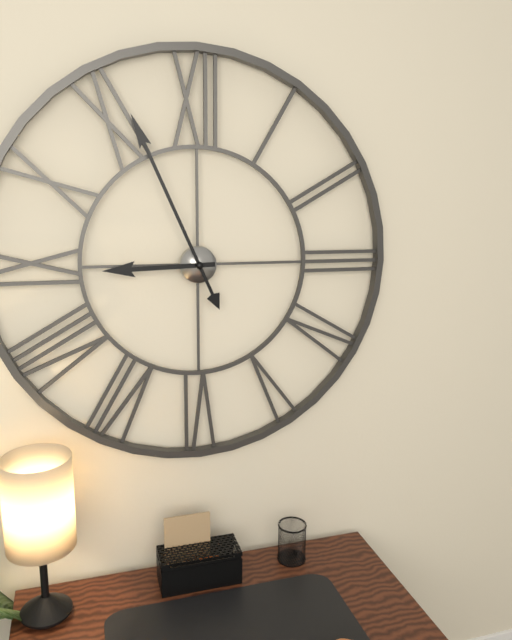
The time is 8,56
